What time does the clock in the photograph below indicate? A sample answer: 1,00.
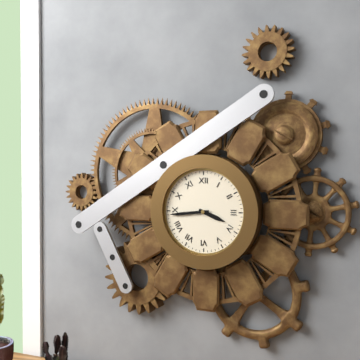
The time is 3,44
